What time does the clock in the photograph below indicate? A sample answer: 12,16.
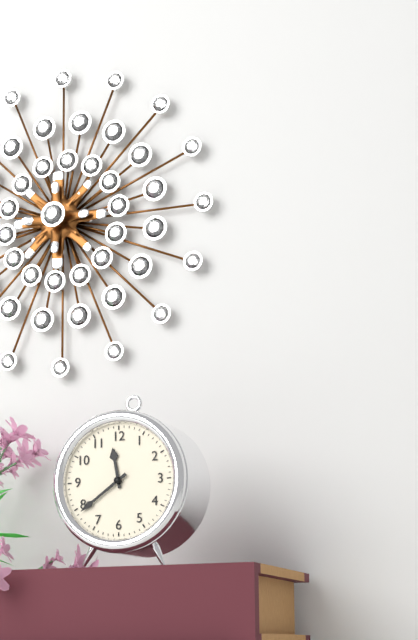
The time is 11,39
